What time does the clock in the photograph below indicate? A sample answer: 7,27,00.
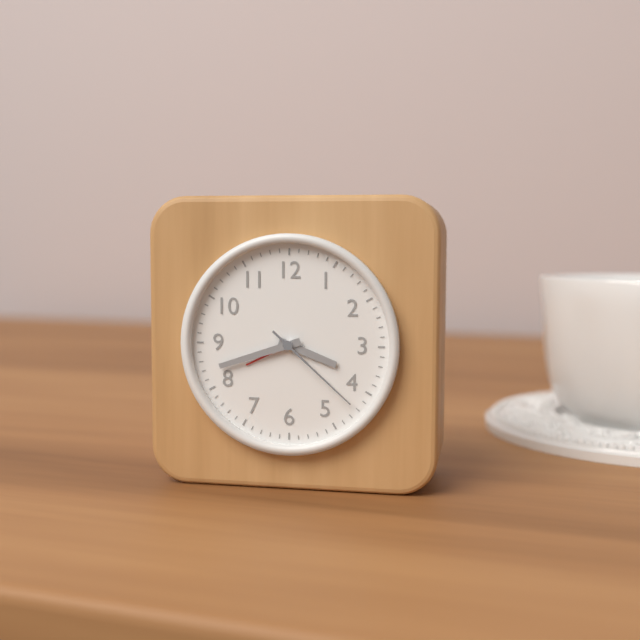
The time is 3,42,22
